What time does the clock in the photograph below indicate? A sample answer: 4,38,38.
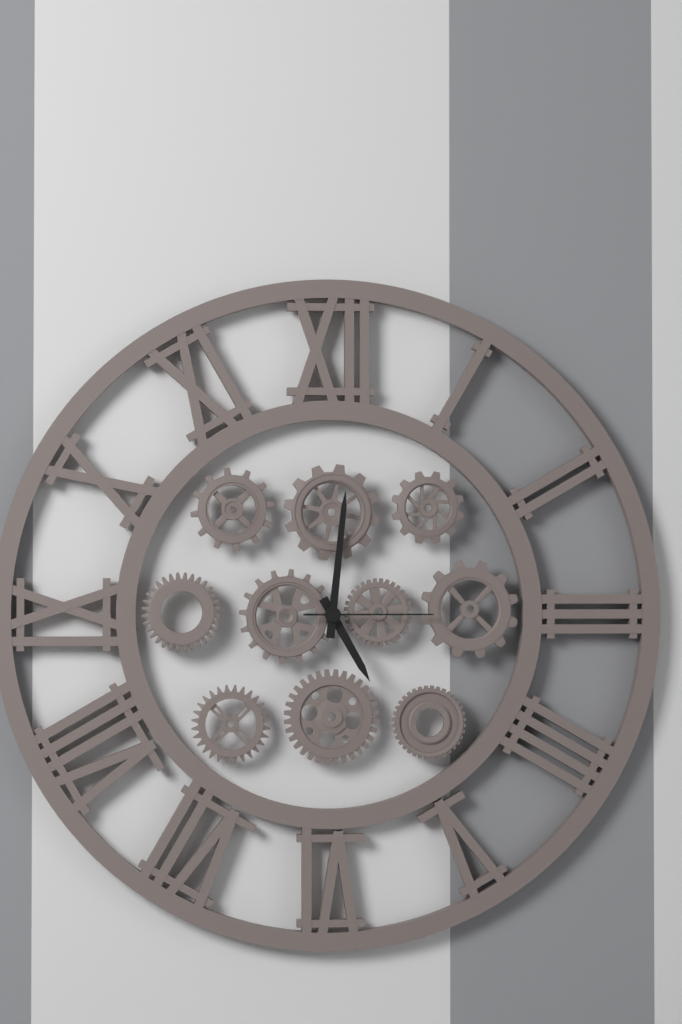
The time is 5,01,15
